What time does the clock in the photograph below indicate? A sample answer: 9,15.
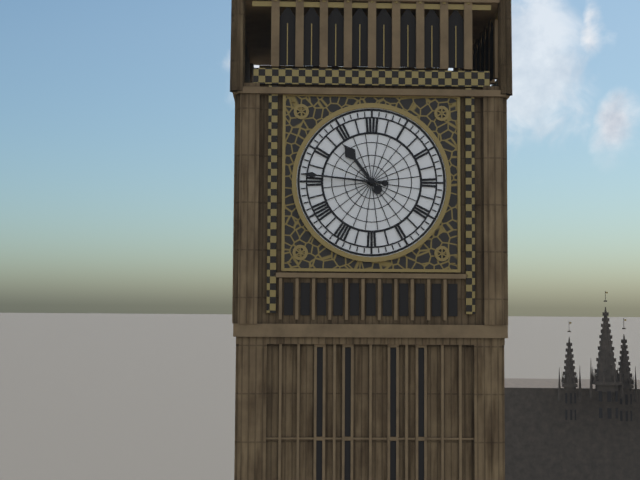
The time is 10,46
